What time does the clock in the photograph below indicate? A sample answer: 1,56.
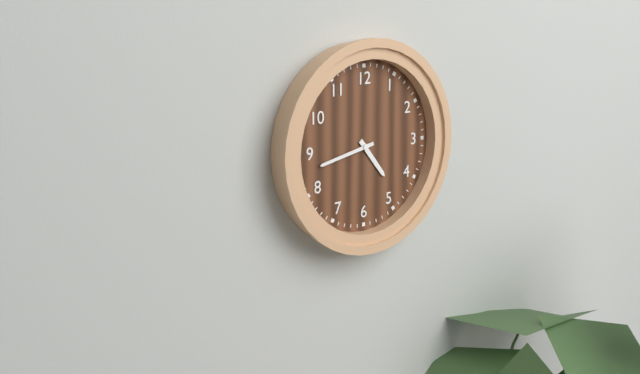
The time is 4,43
